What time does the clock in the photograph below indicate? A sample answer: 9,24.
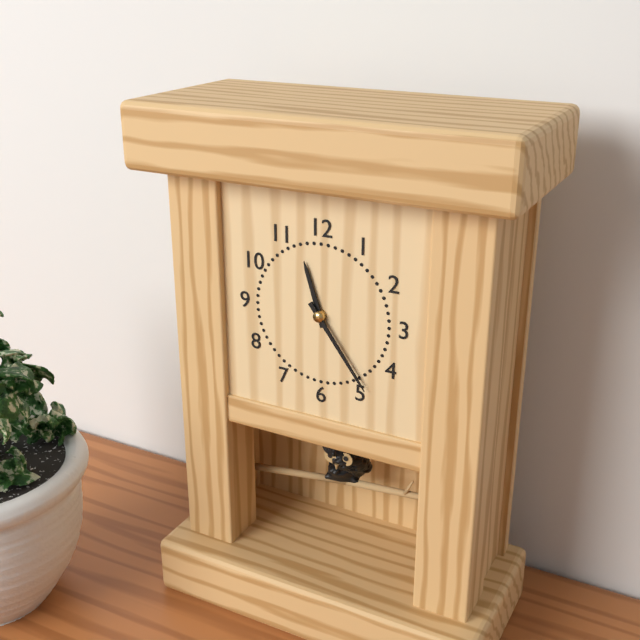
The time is 11,24
